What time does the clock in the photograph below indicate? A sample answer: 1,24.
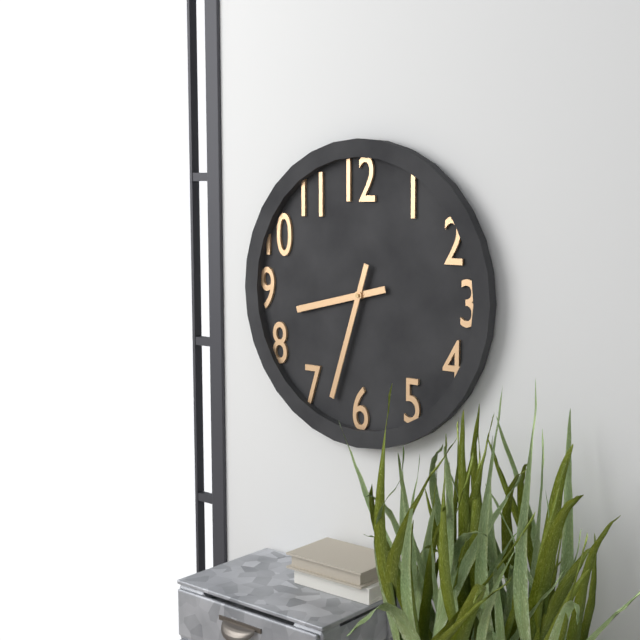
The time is 8,33
